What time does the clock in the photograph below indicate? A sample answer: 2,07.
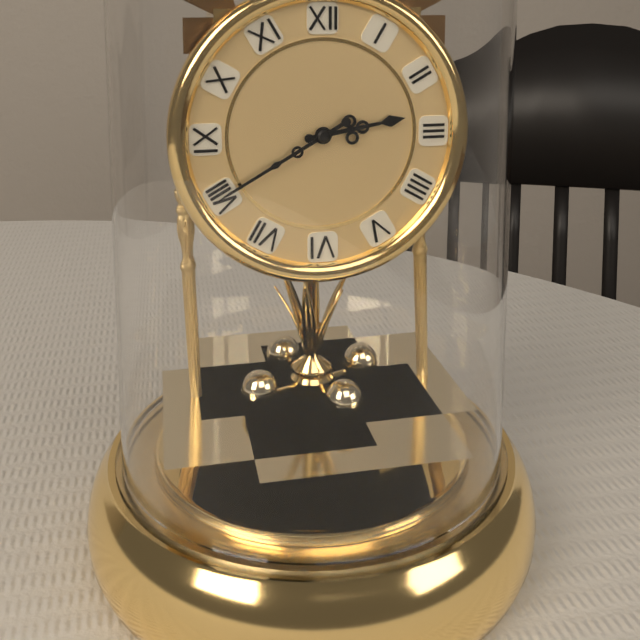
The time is 2,40
